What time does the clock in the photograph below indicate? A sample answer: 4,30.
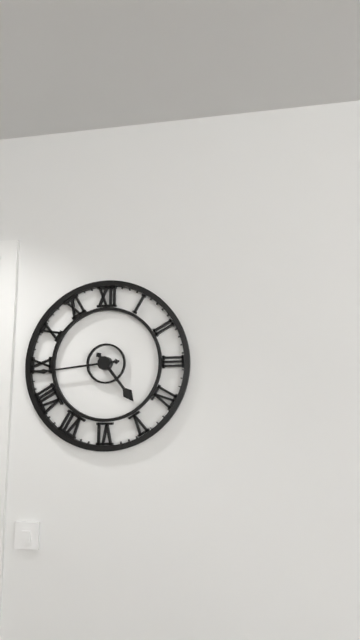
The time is 4,44
